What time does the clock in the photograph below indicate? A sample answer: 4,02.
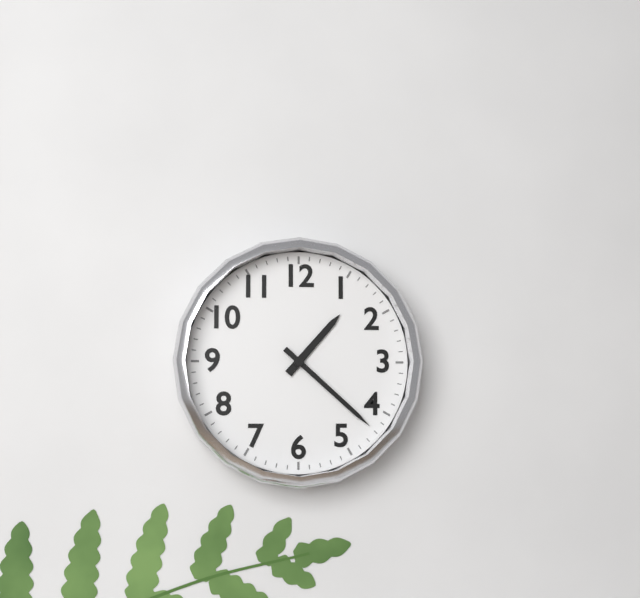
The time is 1,22
